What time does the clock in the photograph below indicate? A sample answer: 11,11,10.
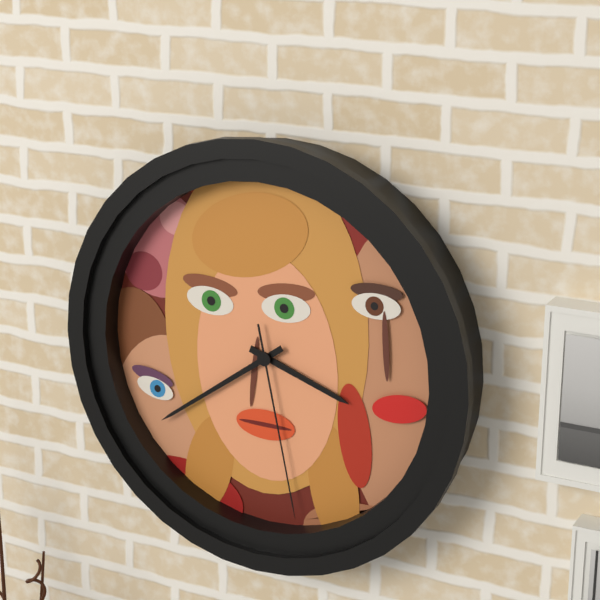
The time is 3,39,28
